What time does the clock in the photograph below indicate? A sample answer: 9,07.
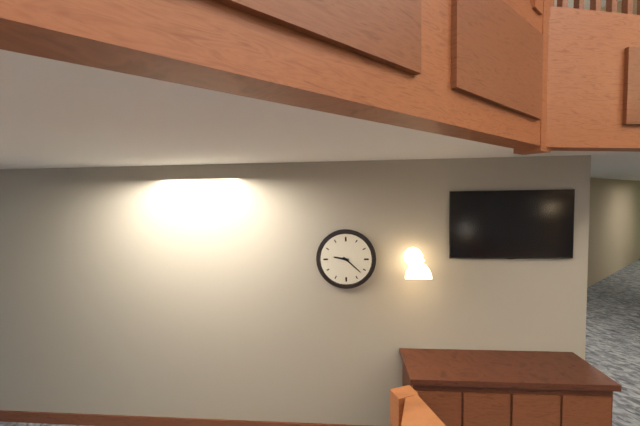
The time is 9,22
